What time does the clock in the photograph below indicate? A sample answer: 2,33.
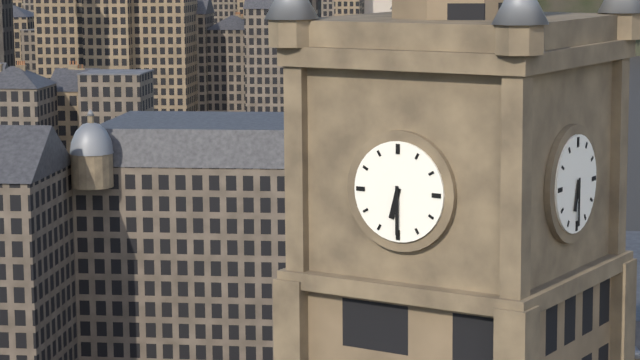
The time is 6,30
